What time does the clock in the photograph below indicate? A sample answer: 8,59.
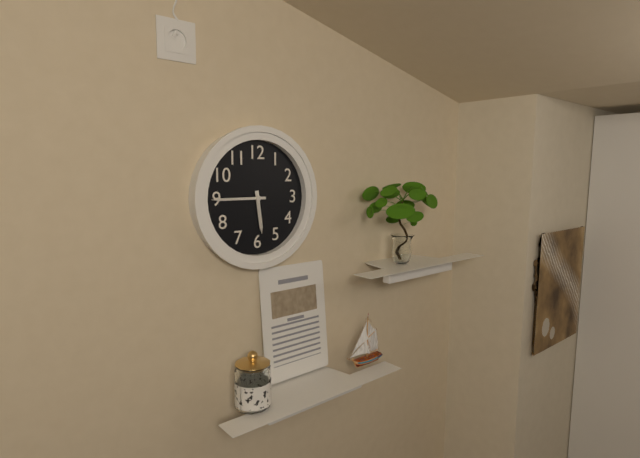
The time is 5,45
